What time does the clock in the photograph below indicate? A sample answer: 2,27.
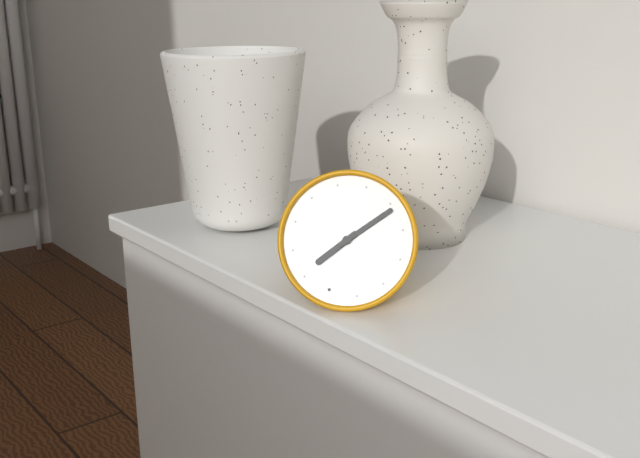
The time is 7,06
